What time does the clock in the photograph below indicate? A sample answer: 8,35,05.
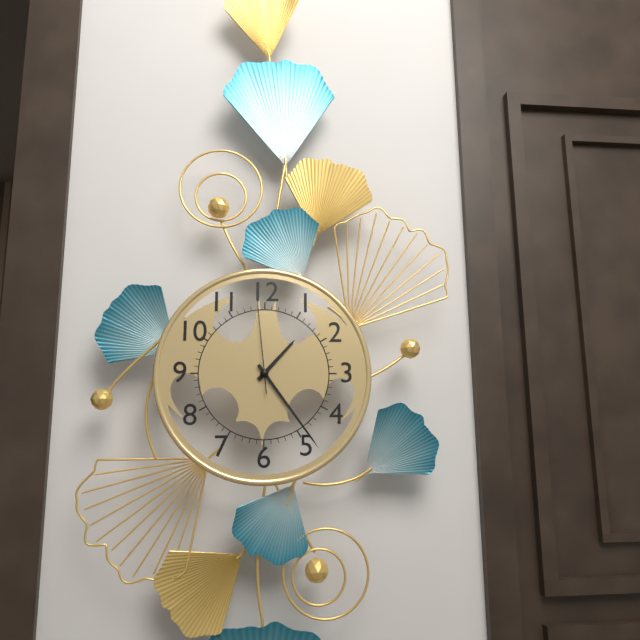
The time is 1,24,59
